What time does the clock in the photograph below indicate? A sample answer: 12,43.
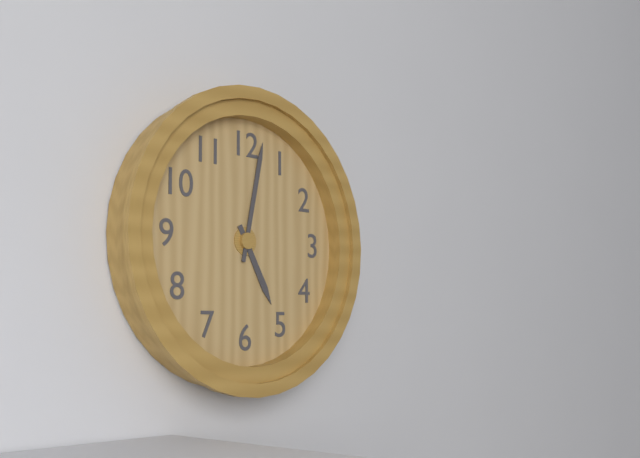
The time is 5,02
